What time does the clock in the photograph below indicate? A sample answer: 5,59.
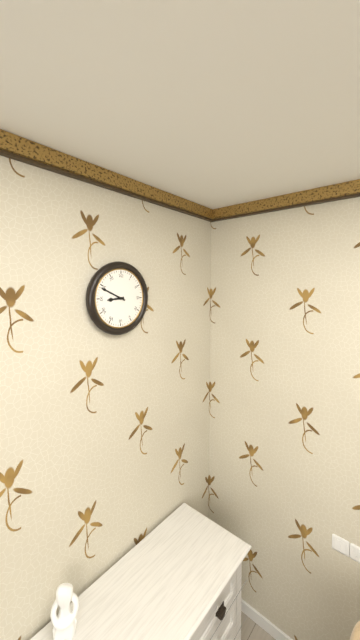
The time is 8,49
